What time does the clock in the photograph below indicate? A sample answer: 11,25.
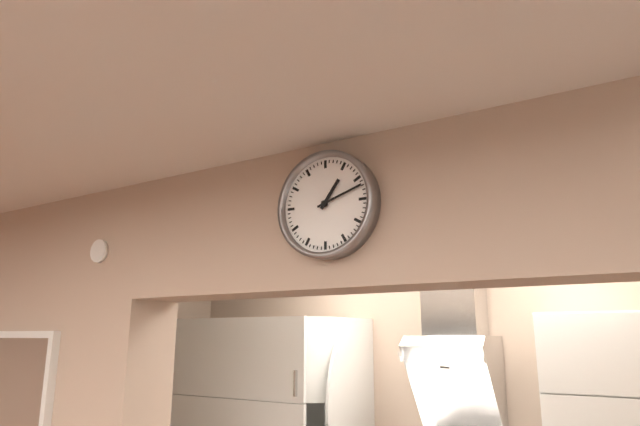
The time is 1,12
